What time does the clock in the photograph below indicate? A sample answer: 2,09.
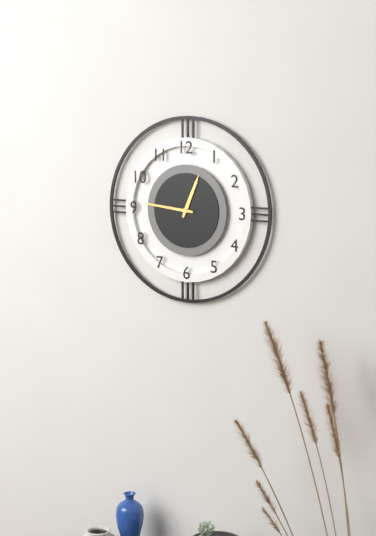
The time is 12,46
